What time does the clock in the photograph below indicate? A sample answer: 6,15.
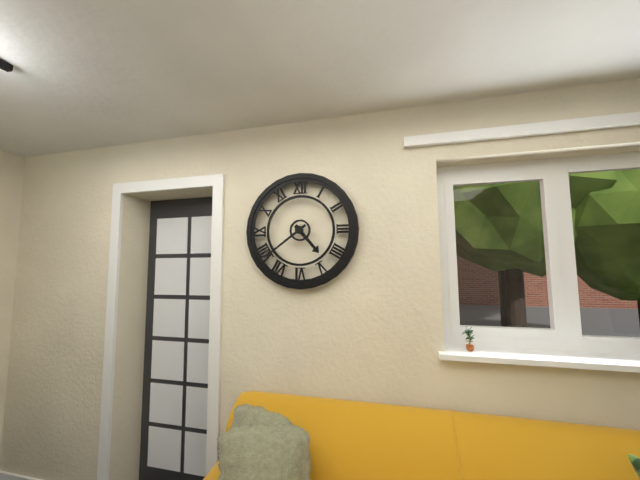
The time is 4,39
